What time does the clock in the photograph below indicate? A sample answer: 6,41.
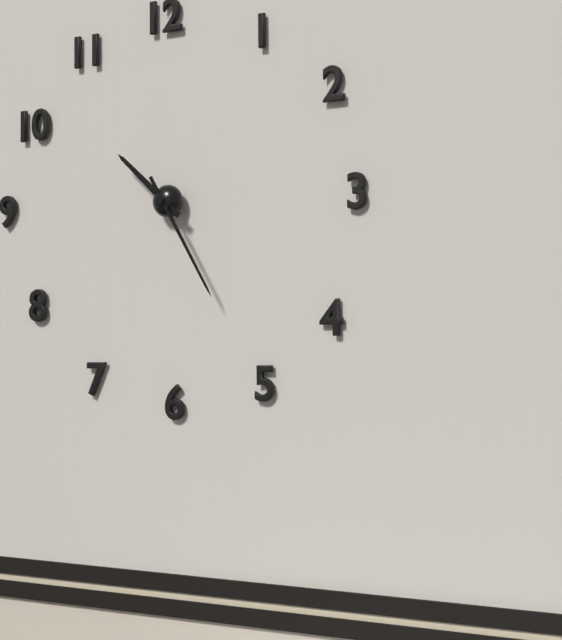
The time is 10,25
